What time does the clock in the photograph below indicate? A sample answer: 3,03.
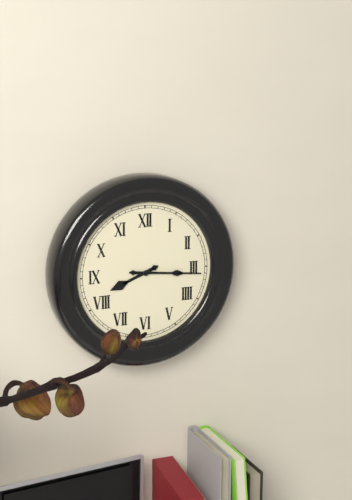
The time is 8,16
